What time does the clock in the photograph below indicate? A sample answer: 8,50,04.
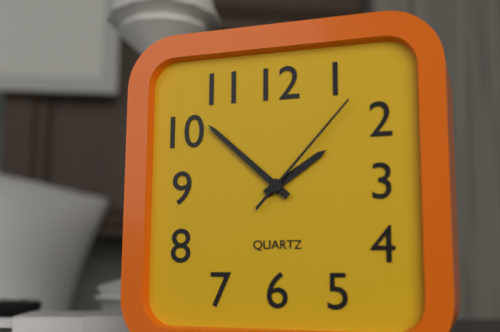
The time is 1,52,07
